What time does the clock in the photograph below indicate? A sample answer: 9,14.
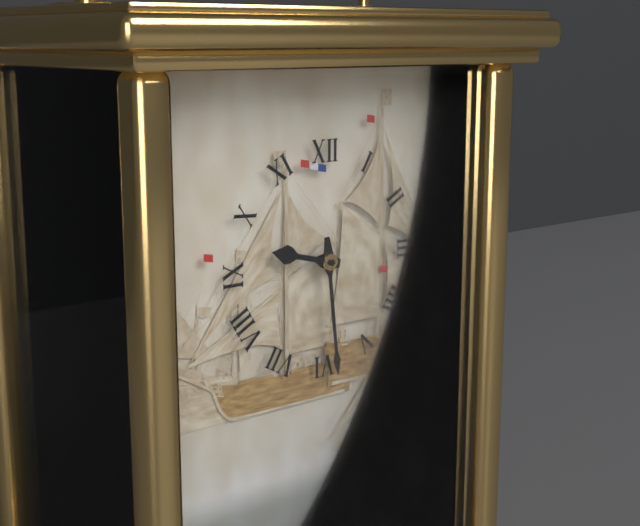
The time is 9,29
